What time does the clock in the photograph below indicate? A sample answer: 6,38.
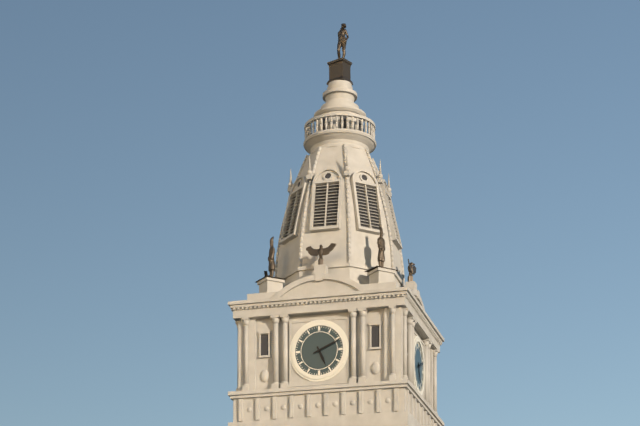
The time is 5,11
